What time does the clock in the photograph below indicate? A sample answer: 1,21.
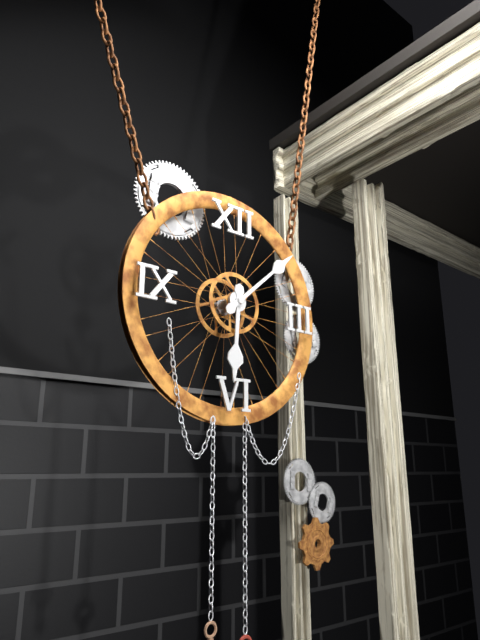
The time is 6,08
